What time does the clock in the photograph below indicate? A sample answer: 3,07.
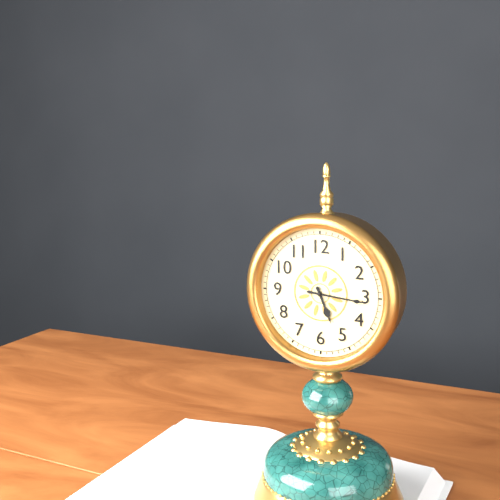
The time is 5,16
